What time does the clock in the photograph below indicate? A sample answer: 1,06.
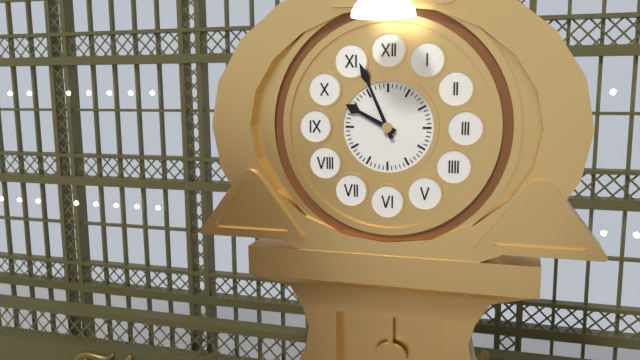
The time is 9,56
